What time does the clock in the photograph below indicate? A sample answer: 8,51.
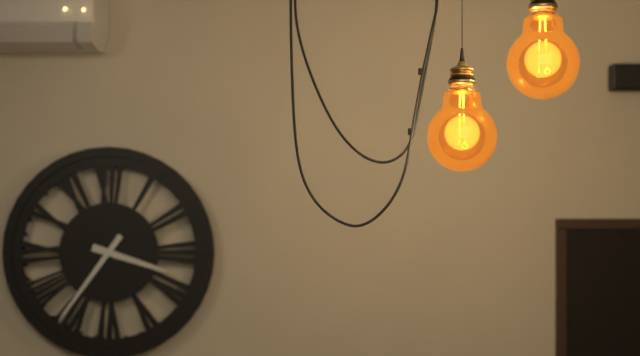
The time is 3,36
